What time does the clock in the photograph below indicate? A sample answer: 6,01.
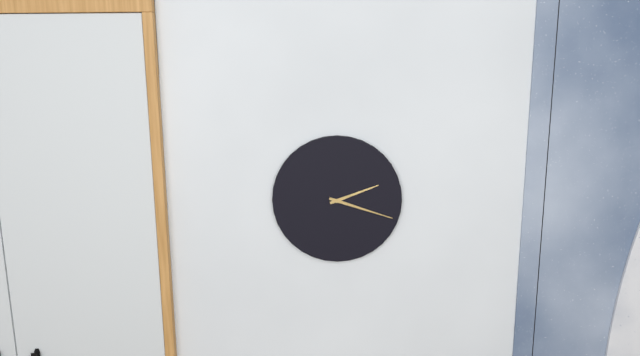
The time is 2,18
